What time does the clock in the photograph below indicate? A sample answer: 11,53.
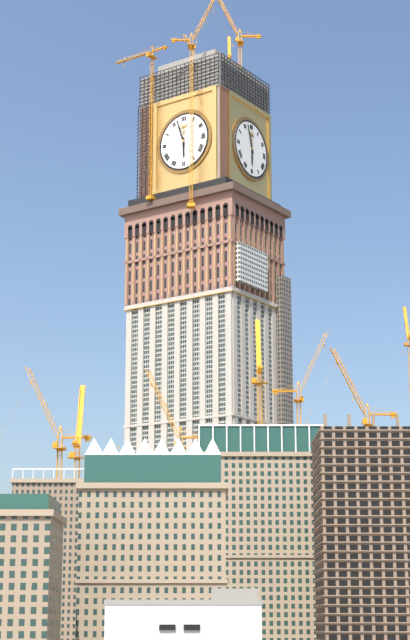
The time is 5,57
